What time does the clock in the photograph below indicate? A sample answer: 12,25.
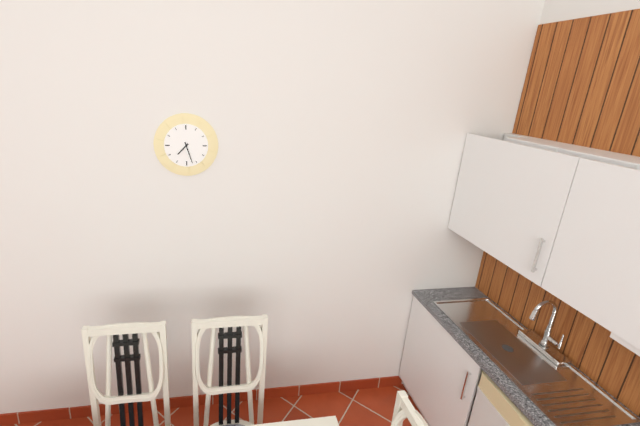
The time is 7,27
